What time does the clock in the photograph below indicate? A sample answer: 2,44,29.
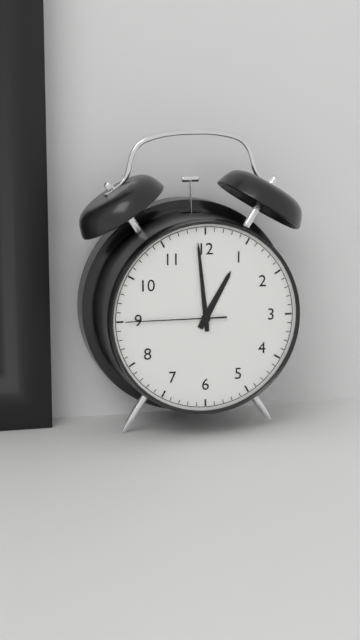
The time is 12,59,45
